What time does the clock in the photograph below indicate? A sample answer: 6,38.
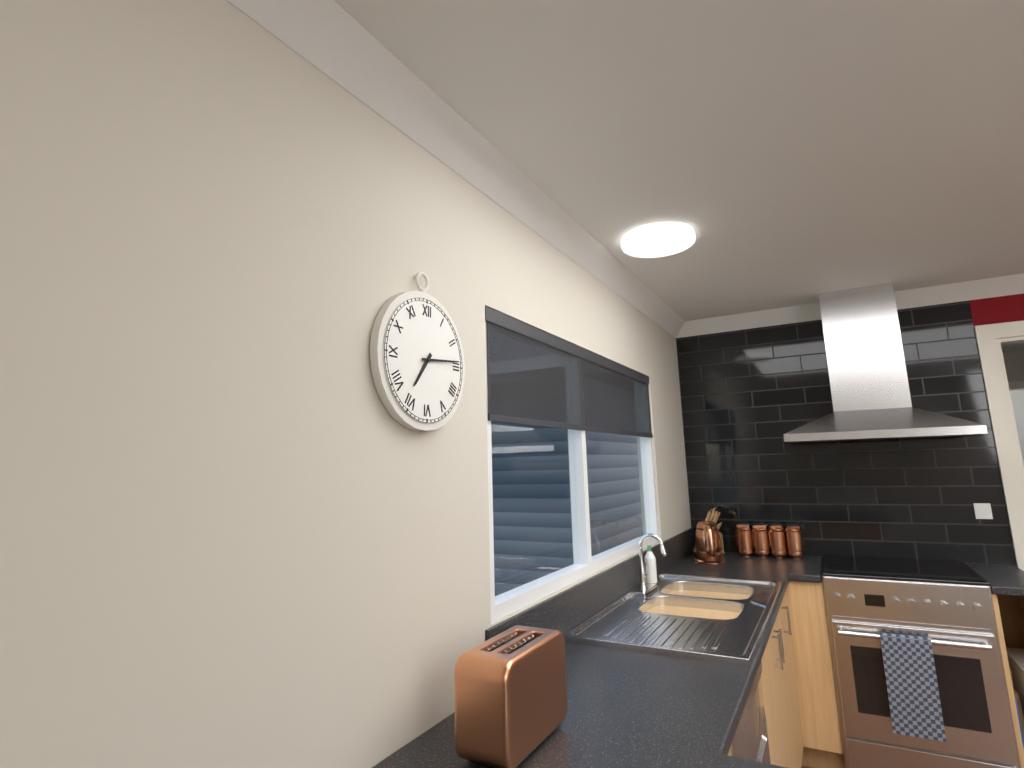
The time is 7,14
